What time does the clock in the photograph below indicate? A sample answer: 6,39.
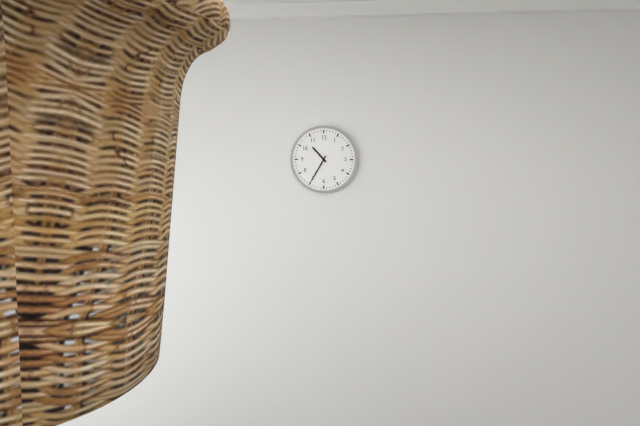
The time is 10,35
